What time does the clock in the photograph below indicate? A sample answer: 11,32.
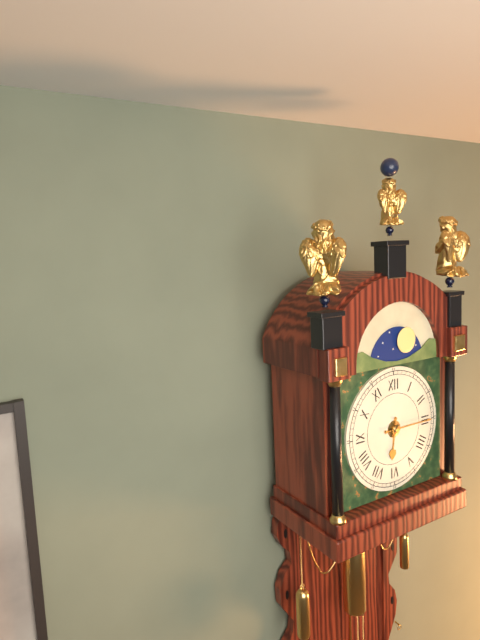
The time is 6,15
